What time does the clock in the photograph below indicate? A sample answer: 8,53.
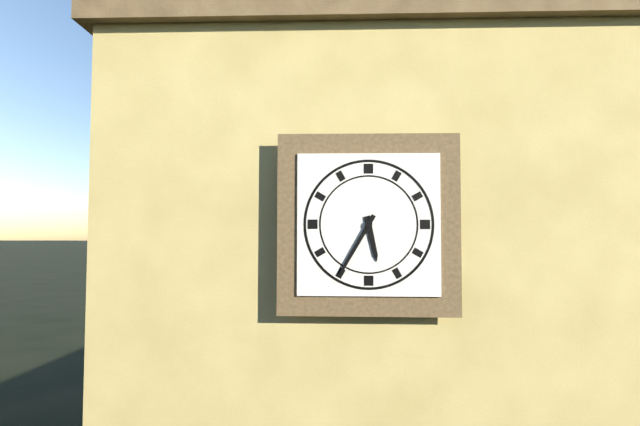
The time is 5,35
